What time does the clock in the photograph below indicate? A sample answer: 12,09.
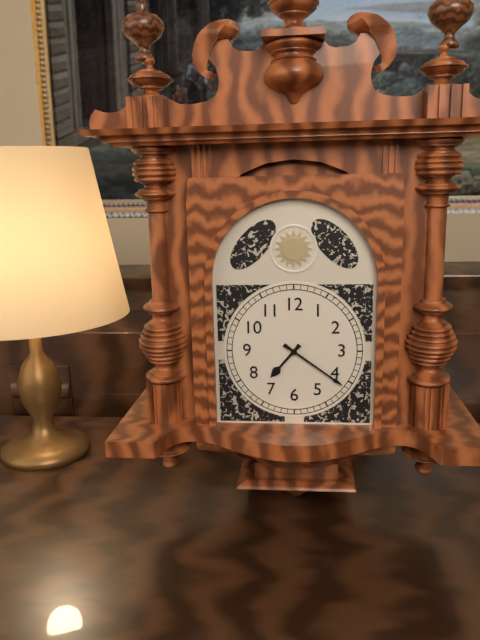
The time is 7,21
